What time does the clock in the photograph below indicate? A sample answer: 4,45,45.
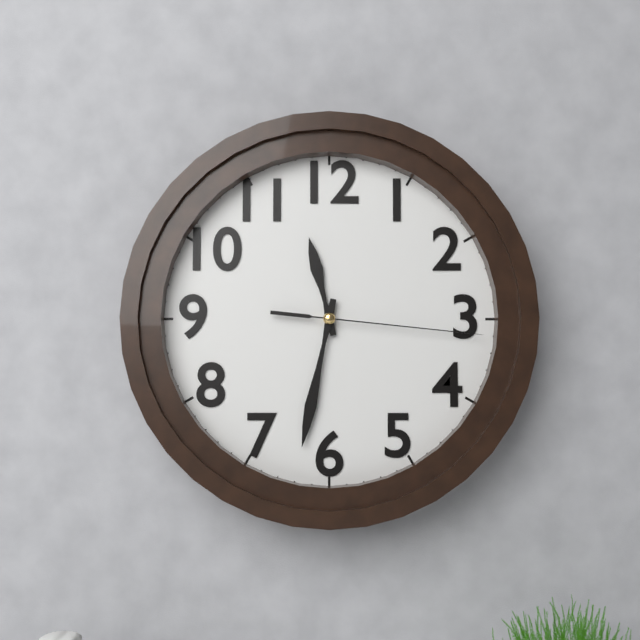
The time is 11,32,16
